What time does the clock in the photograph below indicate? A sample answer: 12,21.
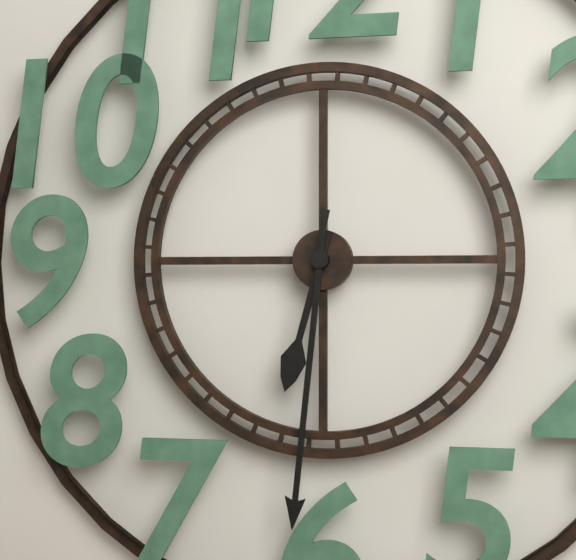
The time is 6,31
